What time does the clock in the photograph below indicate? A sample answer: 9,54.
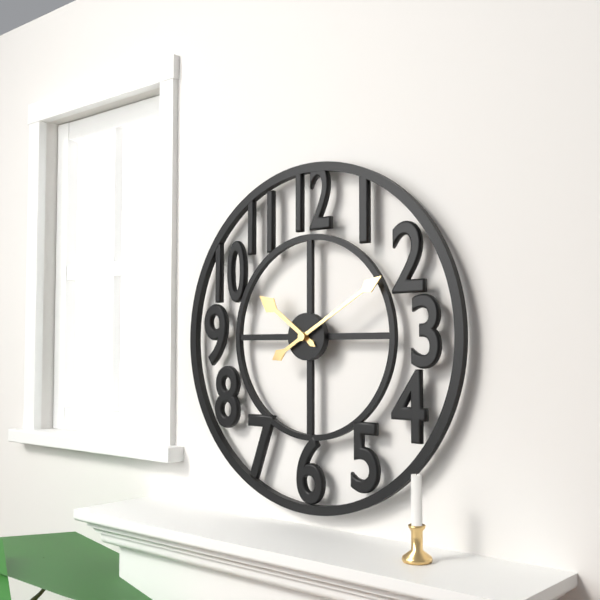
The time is 10,10
